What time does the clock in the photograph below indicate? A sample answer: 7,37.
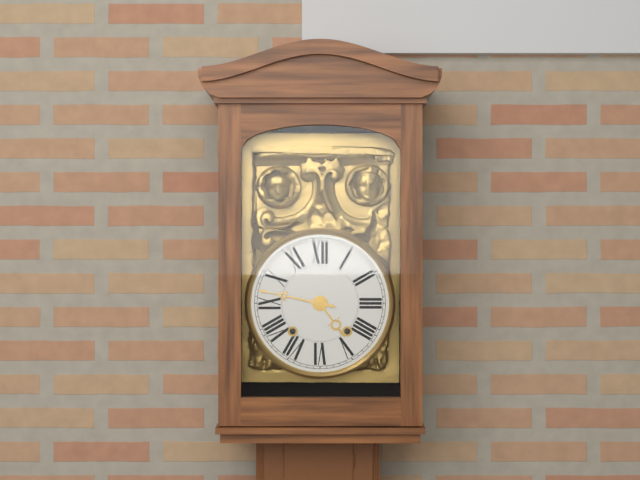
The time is 4,47
